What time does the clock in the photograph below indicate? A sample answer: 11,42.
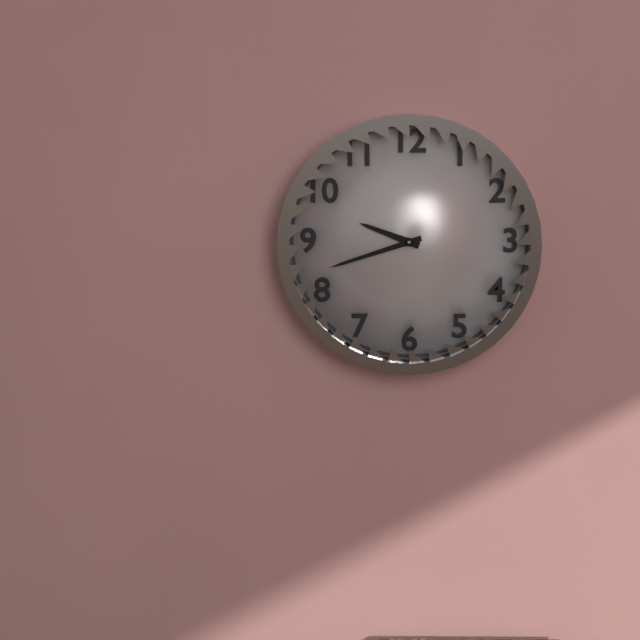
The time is 9,42
